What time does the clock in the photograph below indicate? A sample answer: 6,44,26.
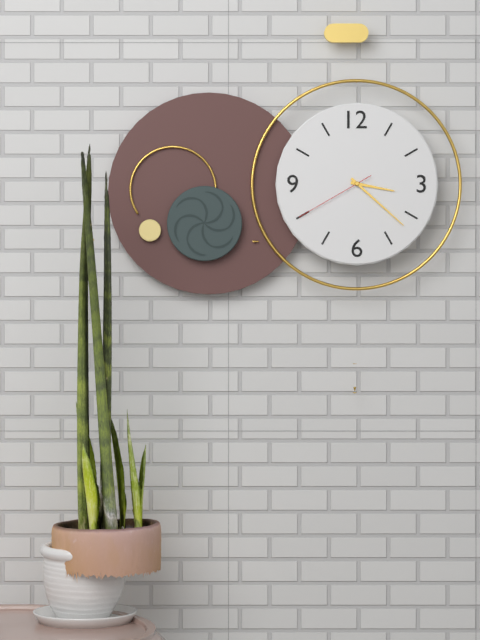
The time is 3,22,40
